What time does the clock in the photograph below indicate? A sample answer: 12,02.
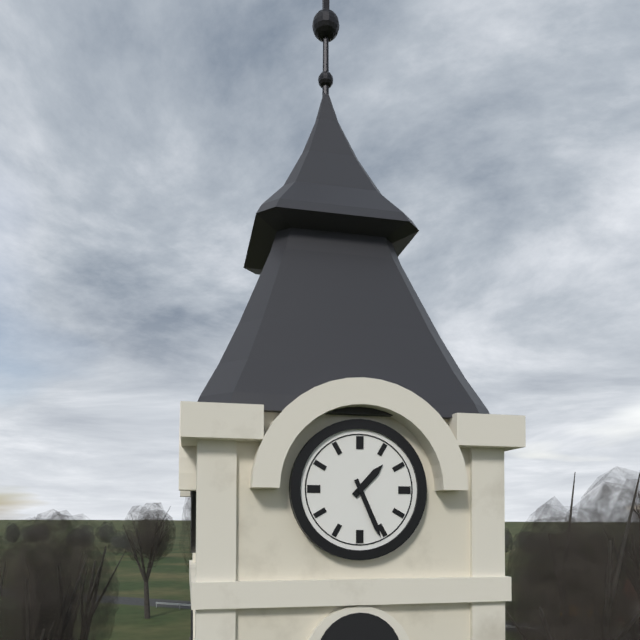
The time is 1,26
